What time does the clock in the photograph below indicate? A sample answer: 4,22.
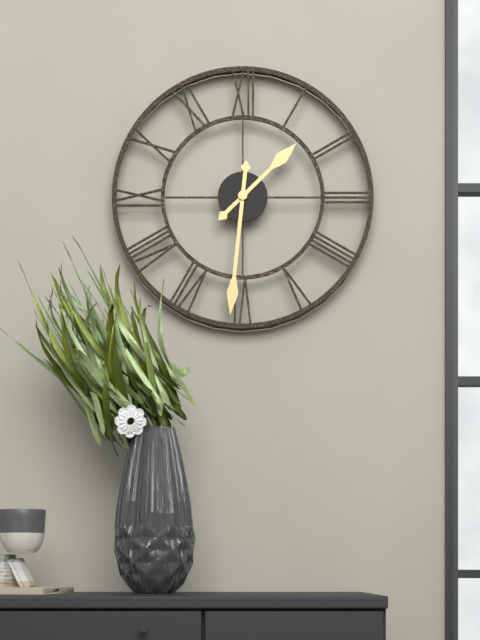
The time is 1,31
